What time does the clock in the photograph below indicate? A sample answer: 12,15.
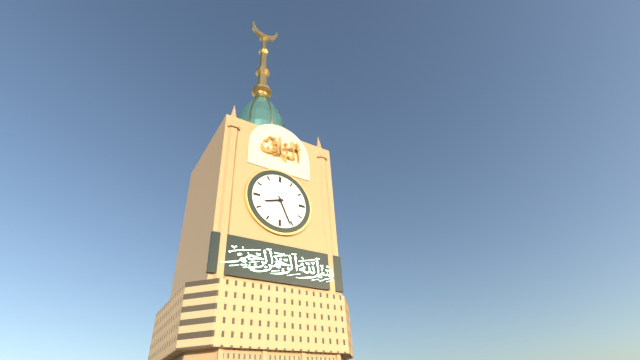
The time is 8,26
